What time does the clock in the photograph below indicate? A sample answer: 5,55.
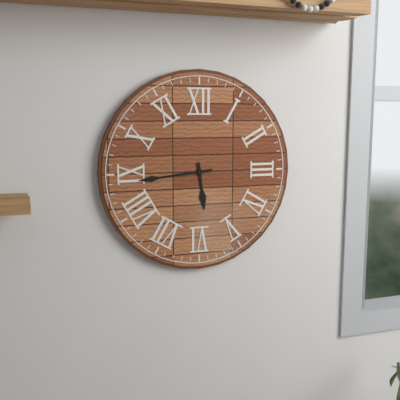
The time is 5,44
